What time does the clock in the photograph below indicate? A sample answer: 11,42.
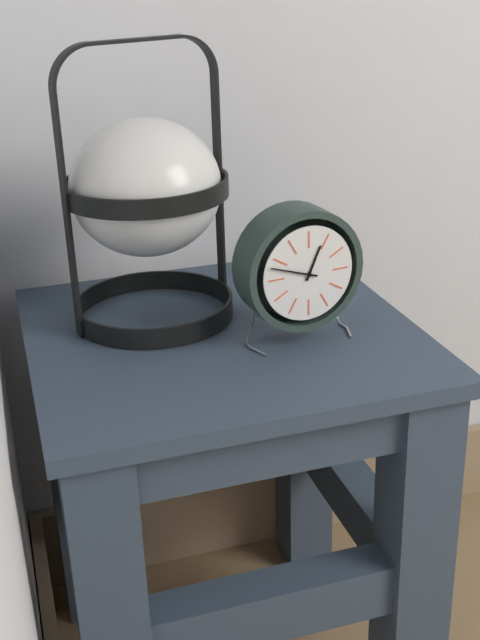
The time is 12,48
